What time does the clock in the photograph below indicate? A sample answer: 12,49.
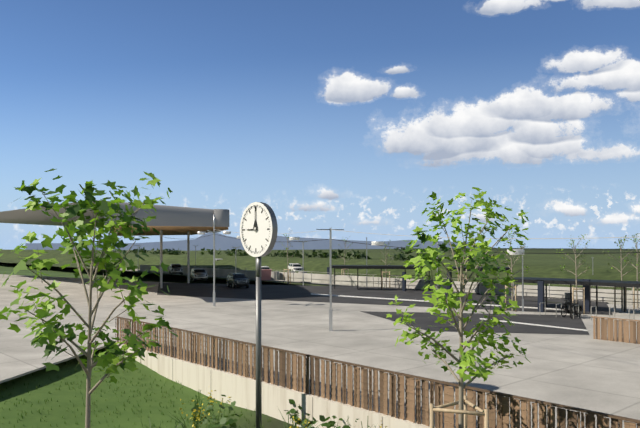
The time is 9,00
